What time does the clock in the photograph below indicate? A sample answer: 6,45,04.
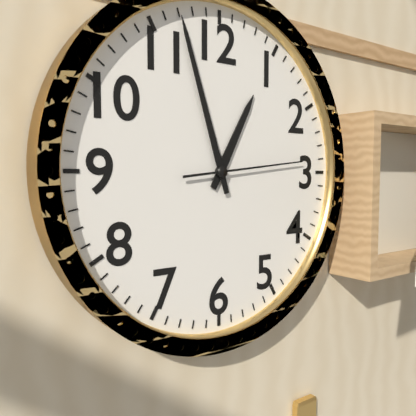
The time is 12,57,14
